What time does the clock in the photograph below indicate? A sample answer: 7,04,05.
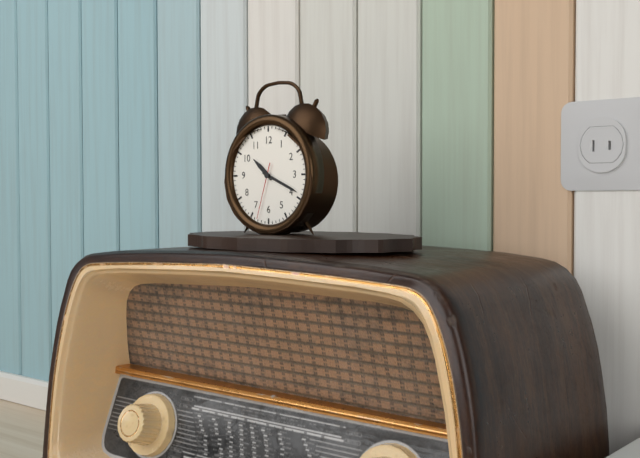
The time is 10,19,33
